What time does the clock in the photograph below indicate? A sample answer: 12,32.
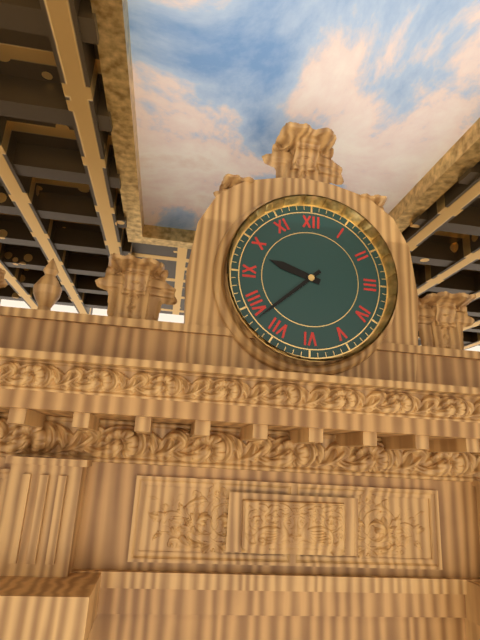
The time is 9,38
